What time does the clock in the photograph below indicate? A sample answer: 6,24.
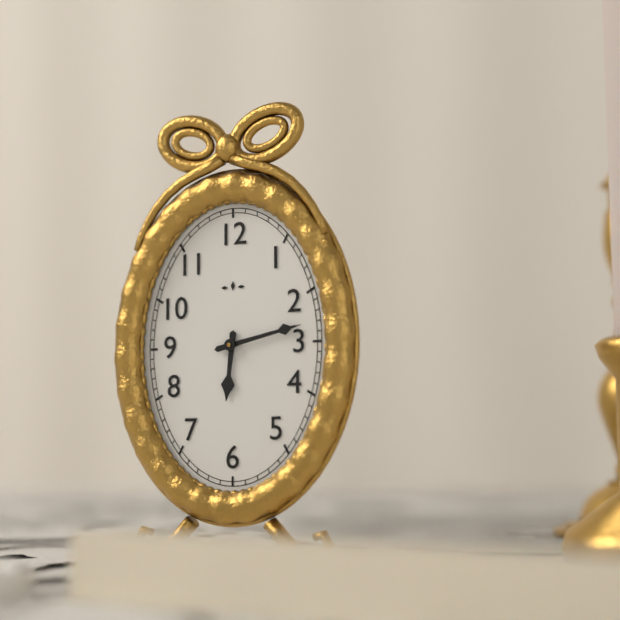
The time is 6,13
